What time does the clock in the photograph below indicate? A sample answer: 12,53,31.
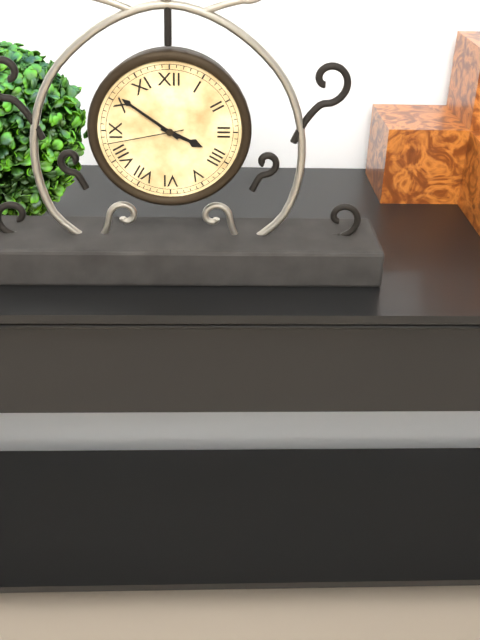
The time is 3,51,43
